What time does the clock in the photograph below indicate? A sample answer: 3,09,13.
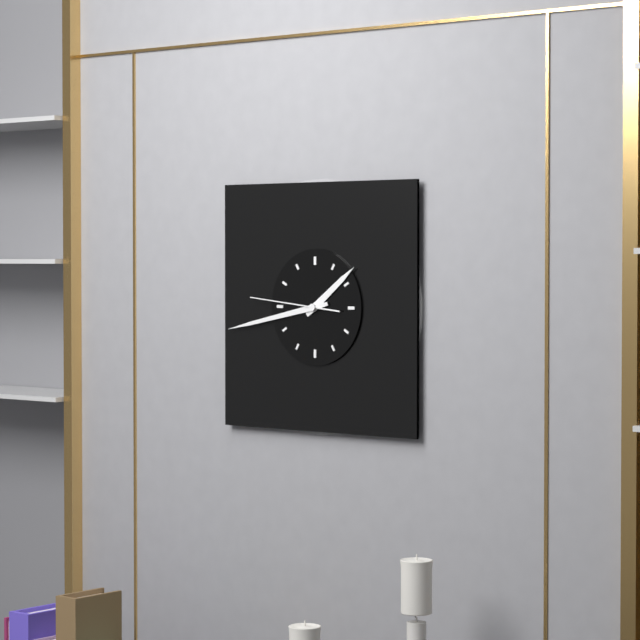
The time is 1,43,46
